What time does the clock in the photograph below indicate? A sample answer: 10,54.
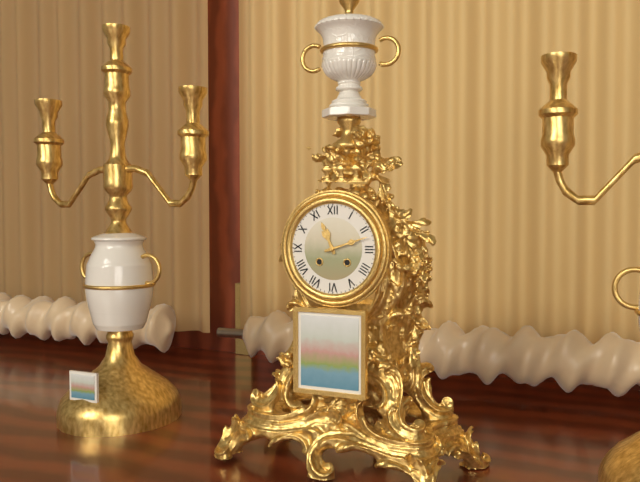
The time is 11,12
